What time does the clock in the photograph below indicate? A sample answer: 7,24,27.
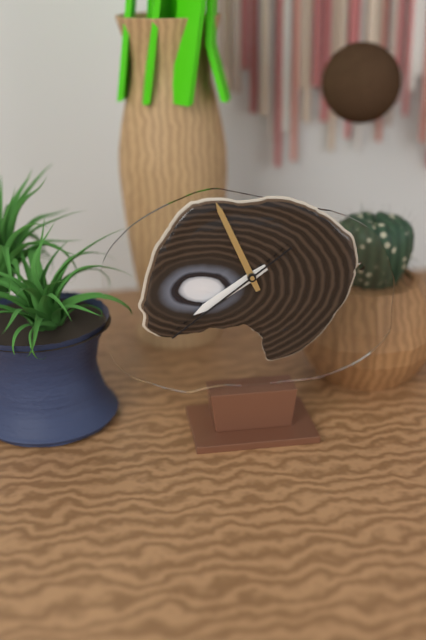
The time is 7,56,39
